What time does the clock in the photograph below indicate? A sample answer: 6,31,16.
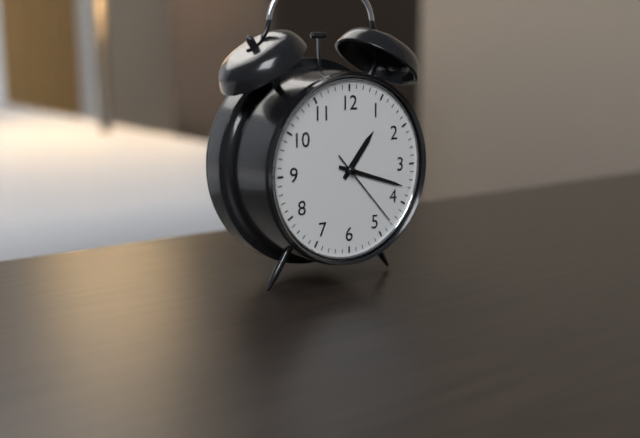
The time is 1,18,23
